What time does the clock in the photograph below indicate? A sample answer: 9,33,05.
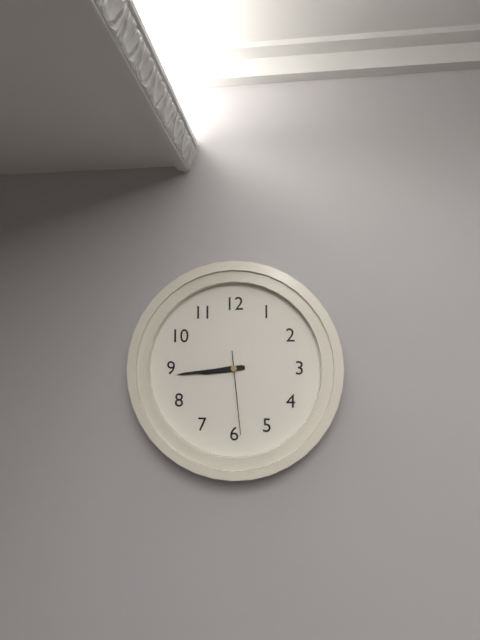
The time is 8,44,29
